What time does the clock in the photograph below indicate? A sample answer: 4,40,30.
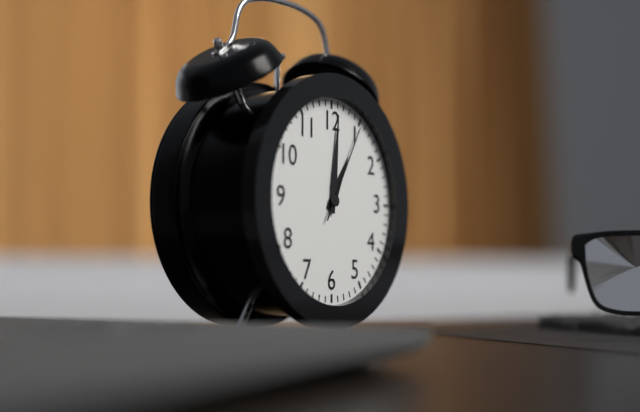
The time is 1,01,05
